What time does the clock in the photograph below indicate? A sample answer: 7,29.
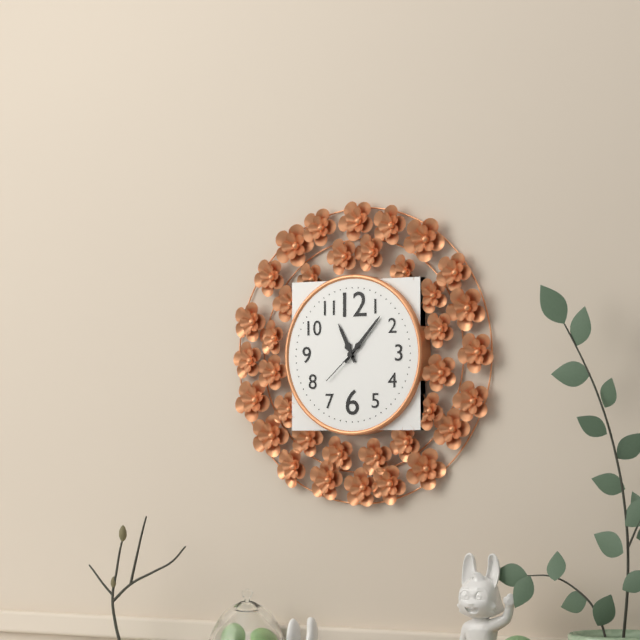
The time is 11,07
